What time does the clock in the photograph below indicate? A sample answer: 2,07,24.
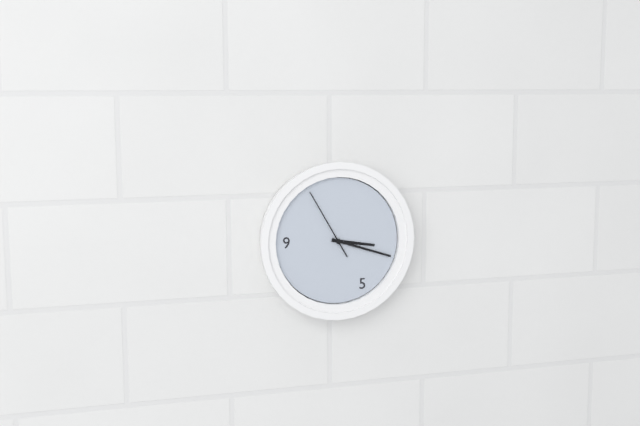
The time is 3,18,55
